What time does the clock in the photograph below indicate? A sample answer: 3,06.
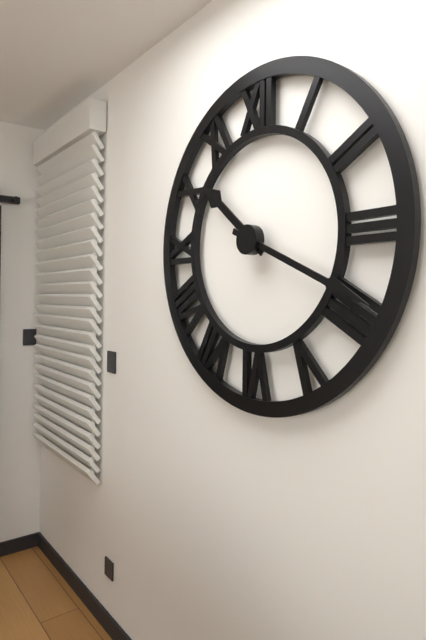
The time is 10,19
